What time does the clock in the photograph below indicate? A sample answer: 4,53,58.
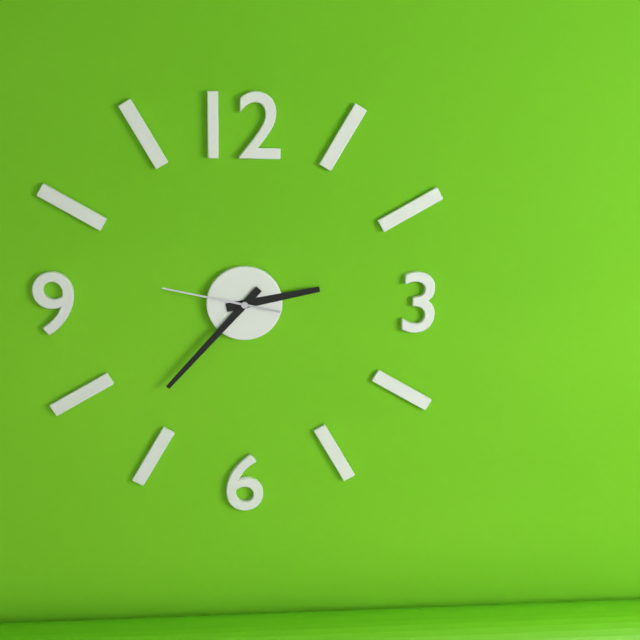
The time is 2,37,47
